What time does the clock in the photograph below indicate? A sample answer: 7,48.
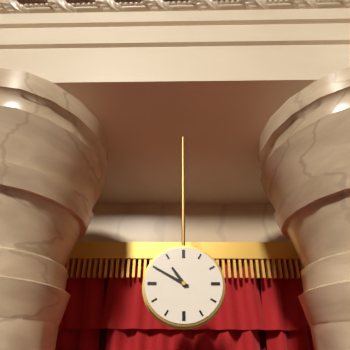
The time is 10,50
